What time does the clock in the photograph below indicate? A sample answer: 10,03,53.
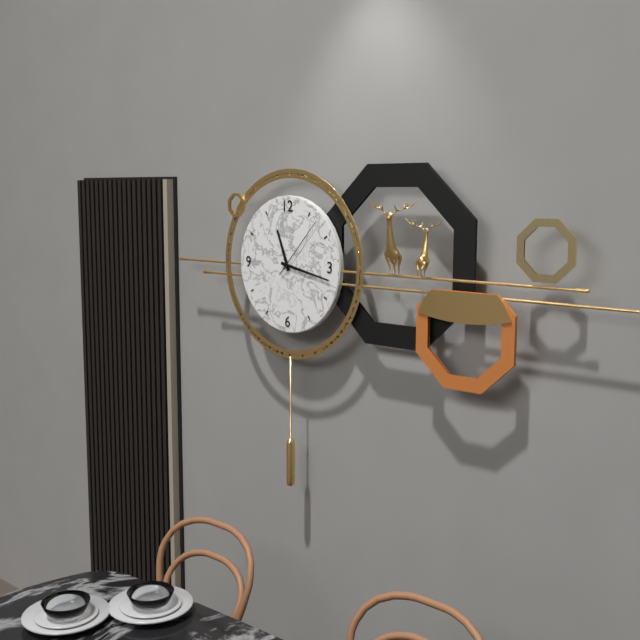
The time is 11,17,07
